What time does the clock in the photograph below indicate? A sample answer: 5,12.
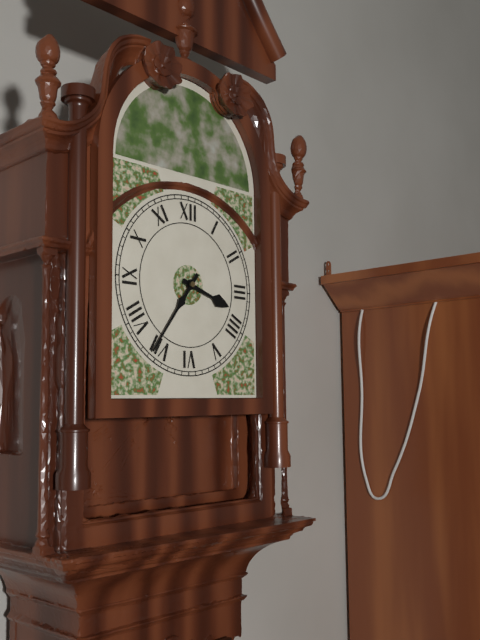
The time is 3,36
